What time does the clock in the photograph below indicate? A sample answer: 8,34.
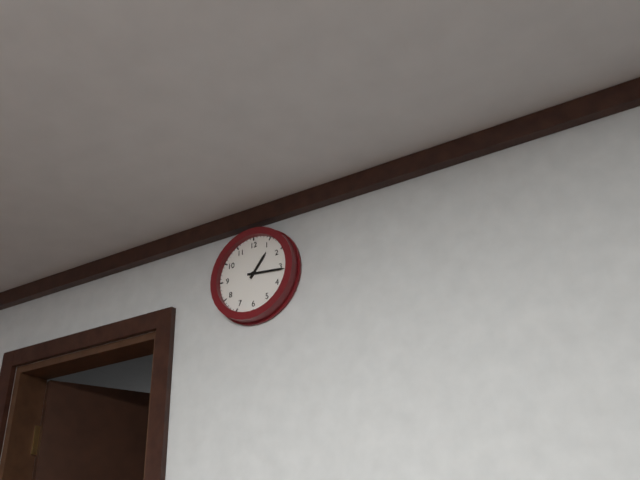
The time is 1,16
